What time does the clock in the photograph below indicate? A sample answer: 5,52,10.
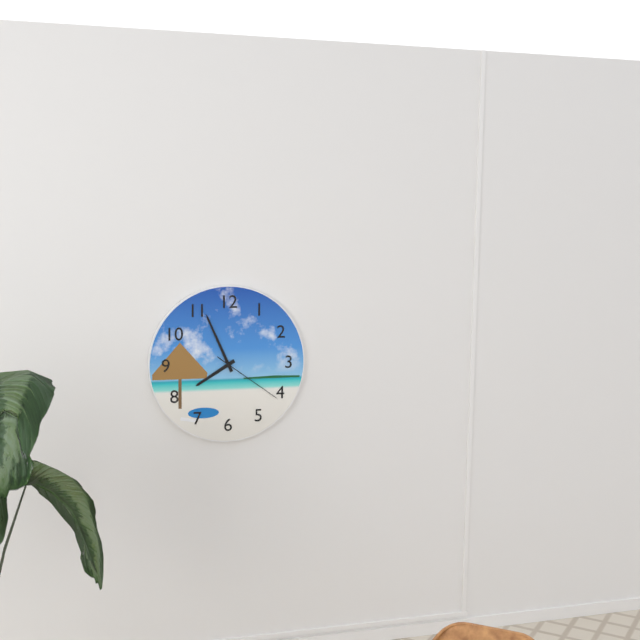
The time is 7,56,21
